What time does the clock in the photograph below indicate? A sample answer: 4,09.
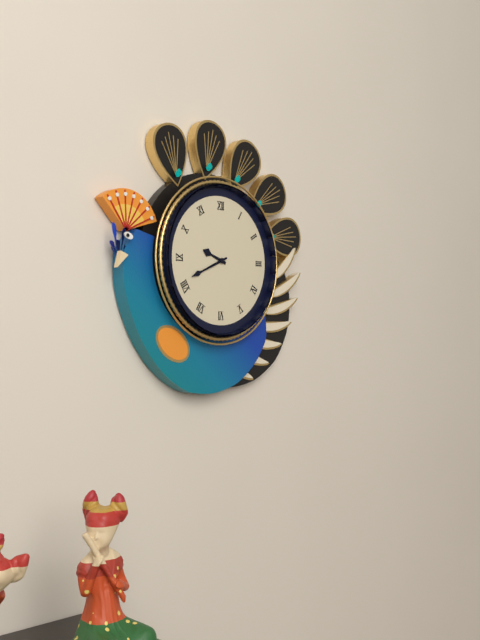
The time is 9,41
